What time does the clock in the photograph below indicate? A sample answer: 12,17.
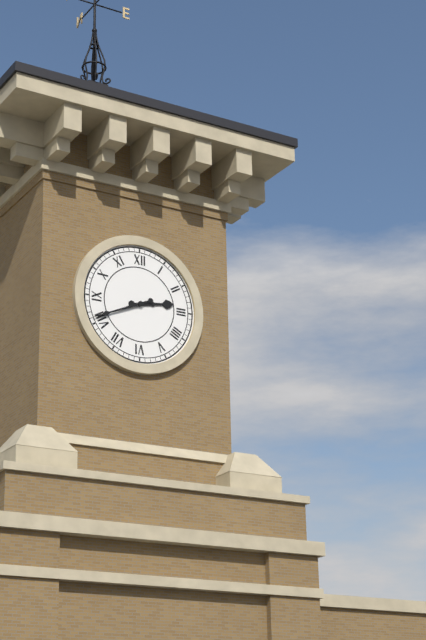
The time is 2,41
